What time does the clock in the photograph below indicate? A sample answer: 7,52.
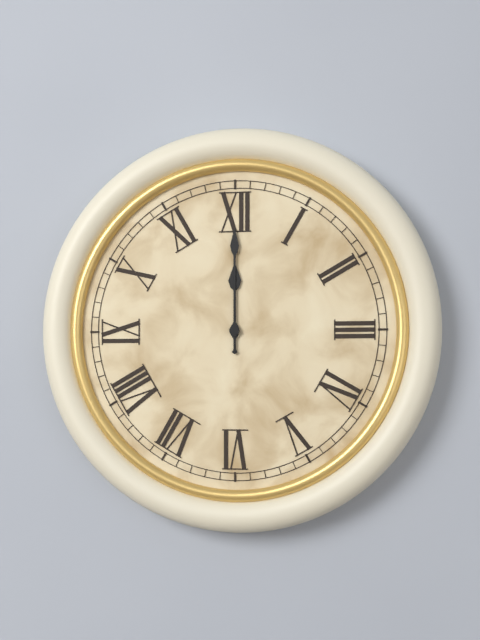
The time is 12,00
